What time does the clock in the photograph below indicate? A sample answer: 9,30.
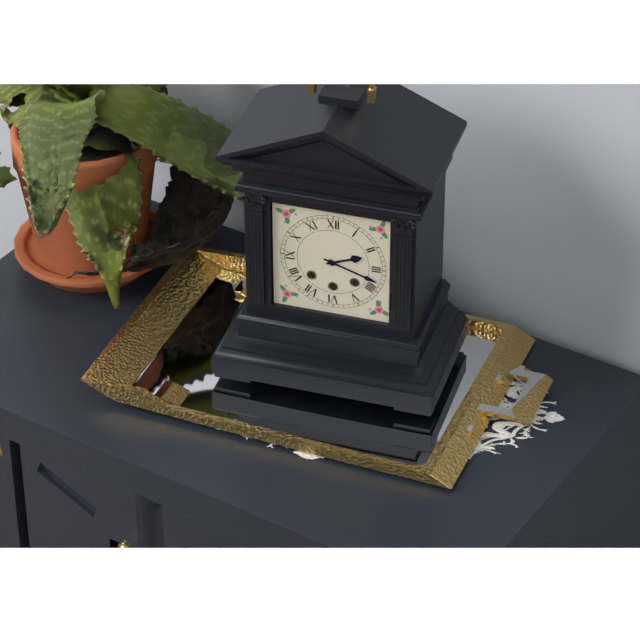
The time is 2,18
